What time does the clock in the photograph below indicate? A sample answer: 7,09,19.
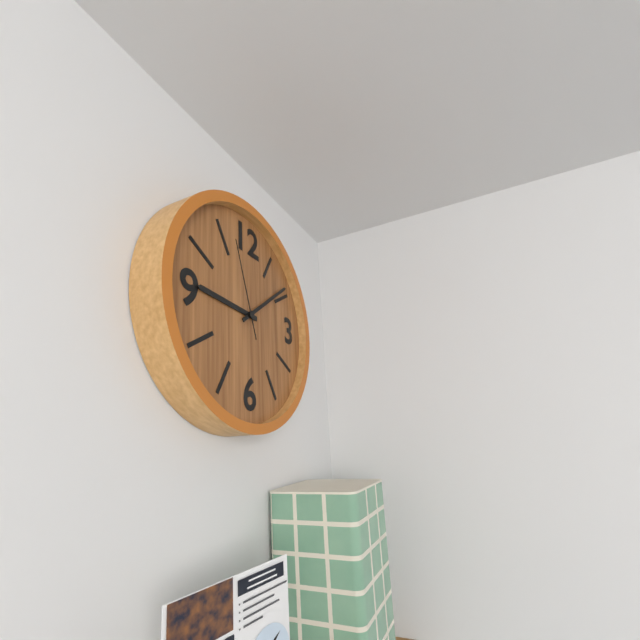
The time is 9,09,57
